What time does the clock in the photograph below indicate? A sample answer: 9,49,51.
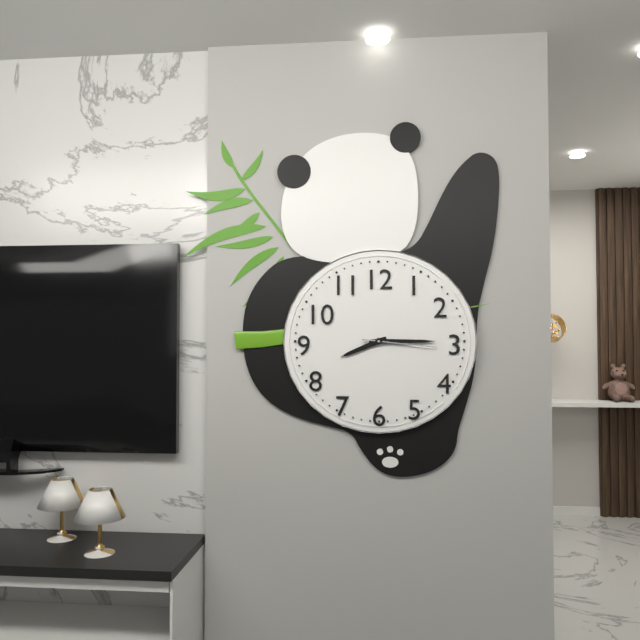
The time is 8,15,16
